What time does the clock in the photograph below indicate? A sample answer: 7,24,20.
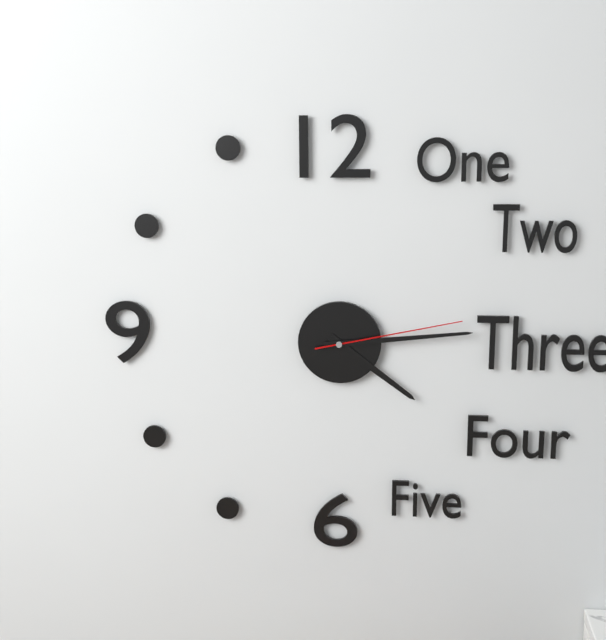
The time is 4,14,13
